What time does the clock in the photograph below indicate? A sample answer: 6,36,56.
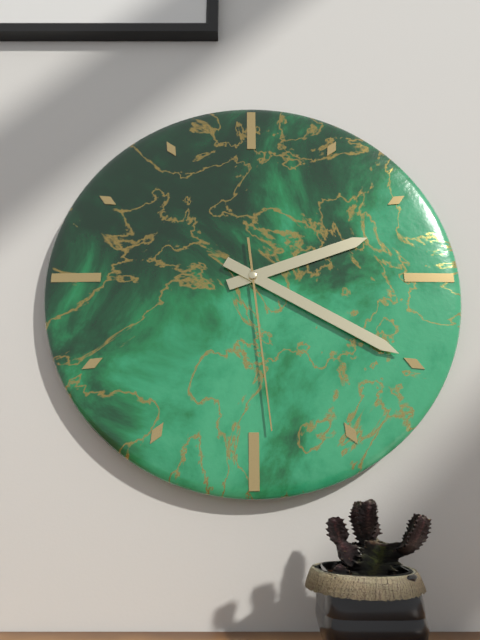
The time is 2,20,29
